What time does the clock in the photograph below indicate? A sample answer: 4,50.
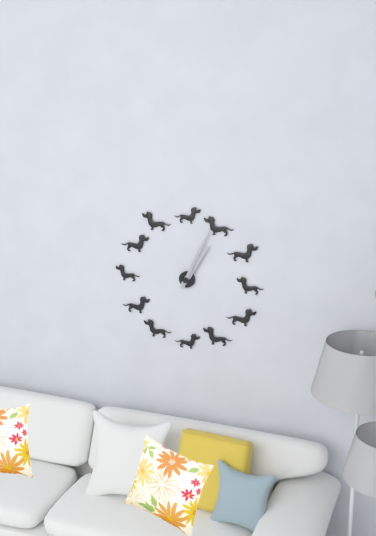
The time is 1,04
